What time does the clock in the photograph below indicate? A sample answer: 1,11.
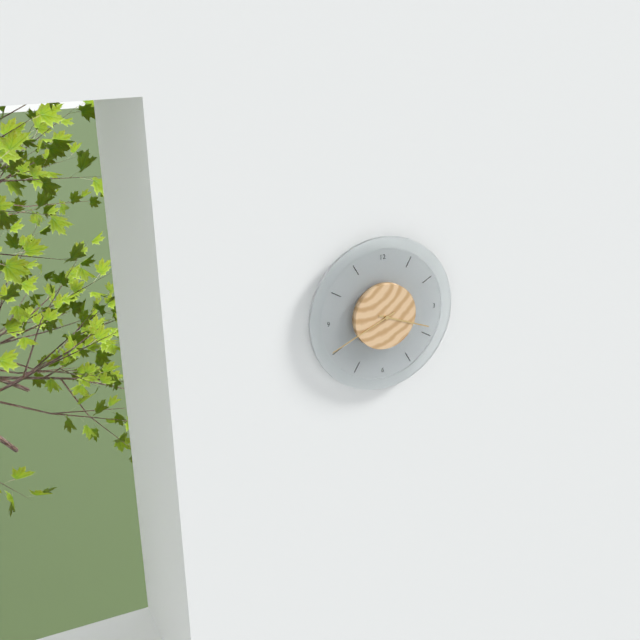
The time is 3,41
